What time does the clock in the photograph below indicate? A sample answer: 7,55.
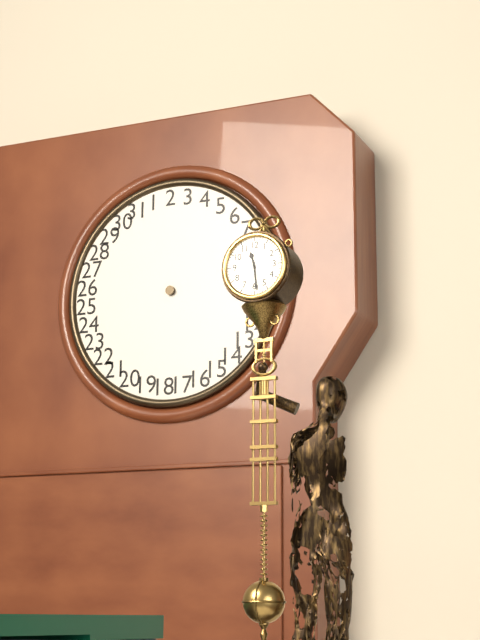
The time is 11,29
